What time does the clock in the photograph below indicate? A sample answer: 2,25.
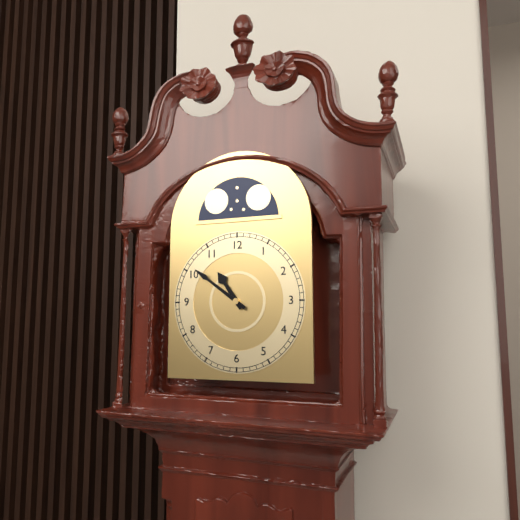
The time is 10,51
